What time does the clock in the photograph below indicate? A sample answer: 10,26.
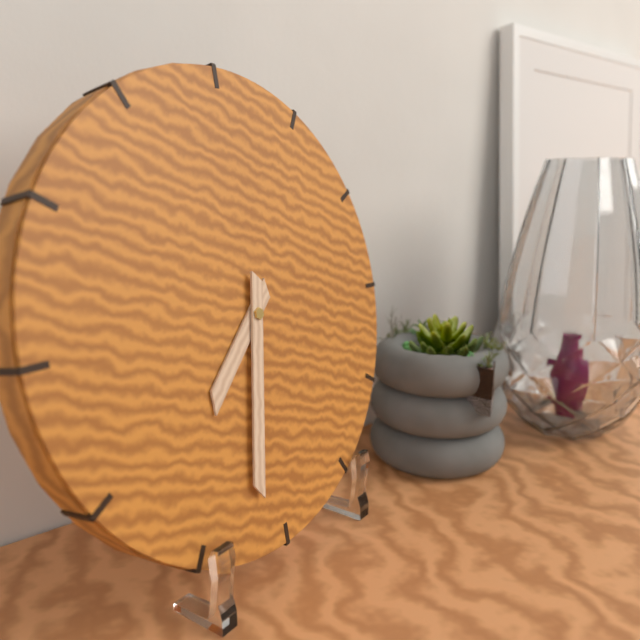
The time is 7,32
